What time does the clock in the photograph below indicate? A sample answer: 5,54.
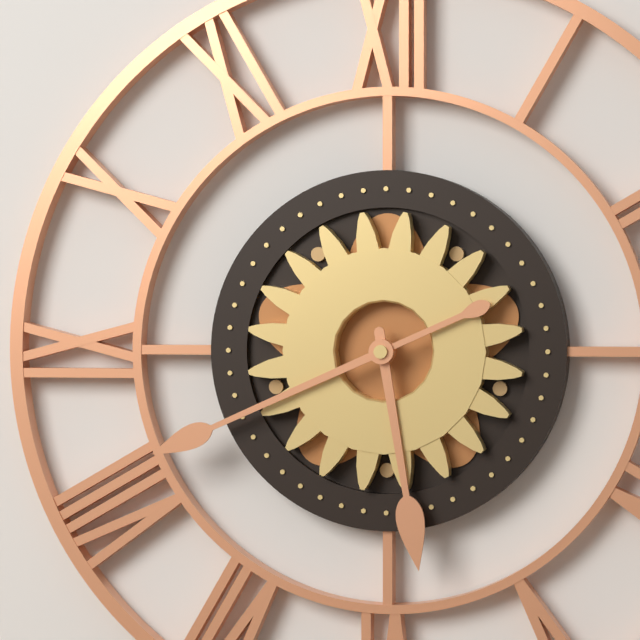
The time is 5,41
